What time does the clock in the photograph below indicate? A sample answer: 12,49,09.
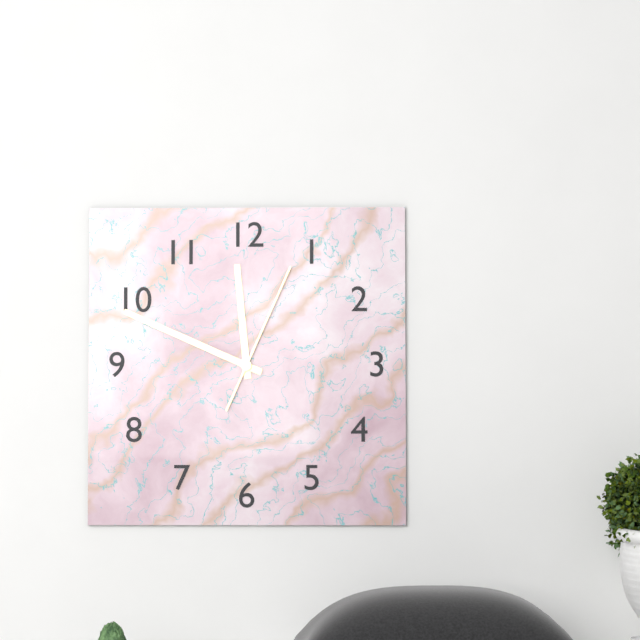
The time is 11,49,04
